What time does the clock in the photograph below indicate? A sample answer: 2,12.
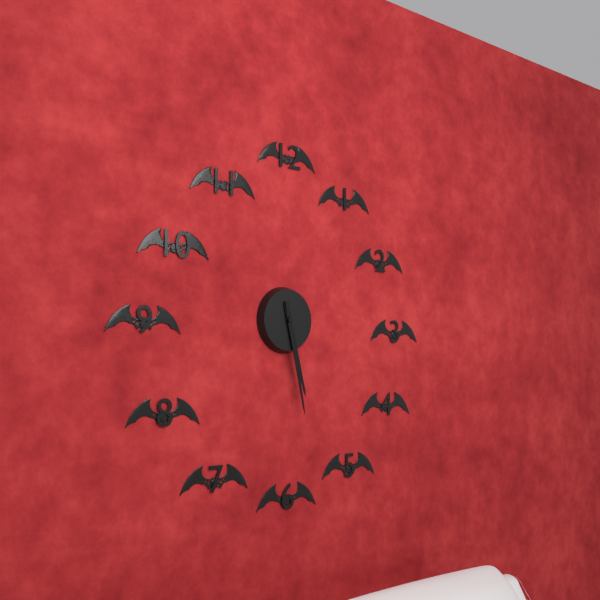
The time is 5,28
